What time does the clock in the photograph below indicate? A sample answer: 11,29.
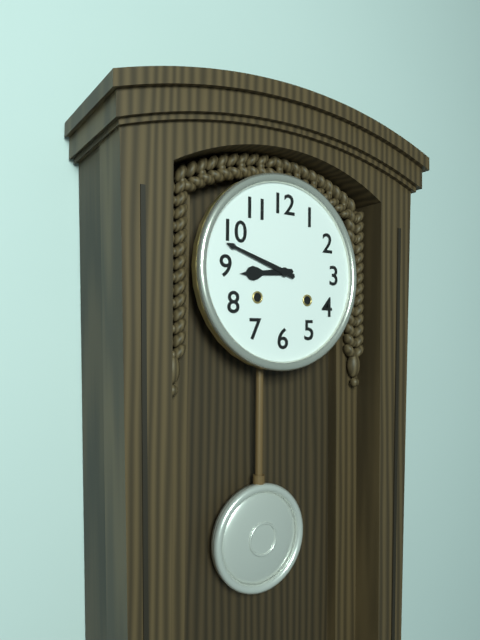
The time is 8,48
